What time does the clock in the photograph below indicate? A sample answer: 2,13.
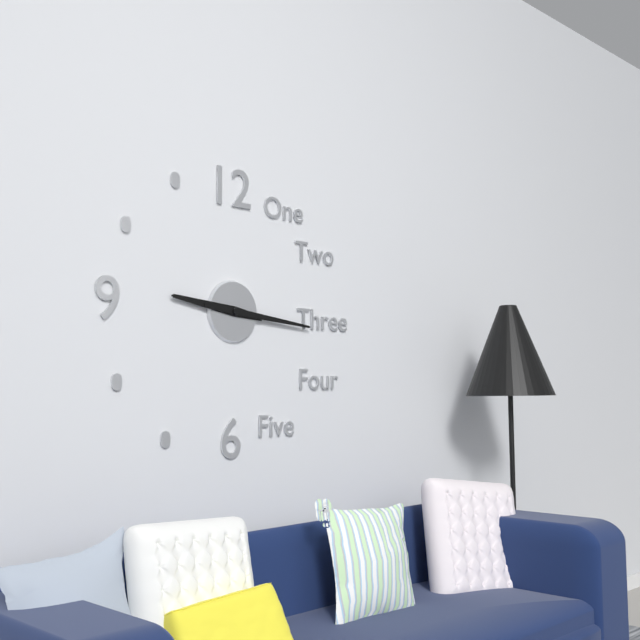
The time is 9,16
